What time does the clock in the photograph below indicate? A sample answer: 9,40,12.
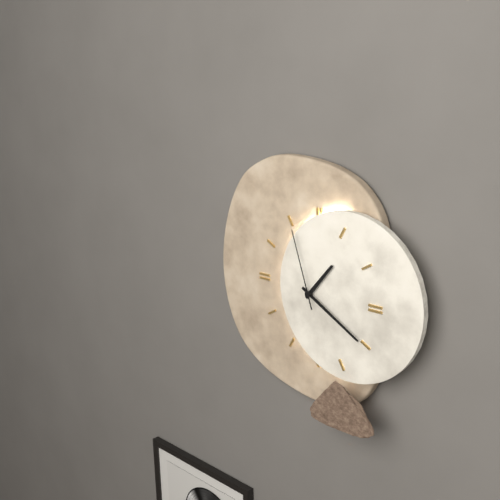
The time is 1,20,57
